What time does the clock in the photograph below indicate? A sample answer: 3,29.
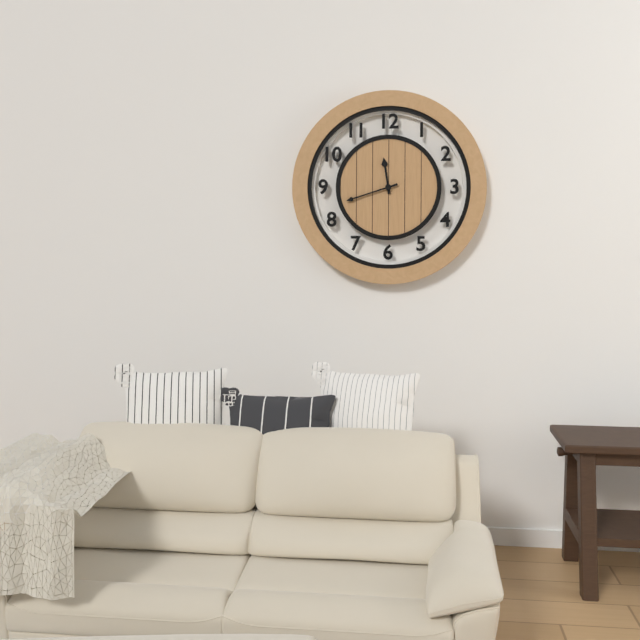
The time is 11,42
